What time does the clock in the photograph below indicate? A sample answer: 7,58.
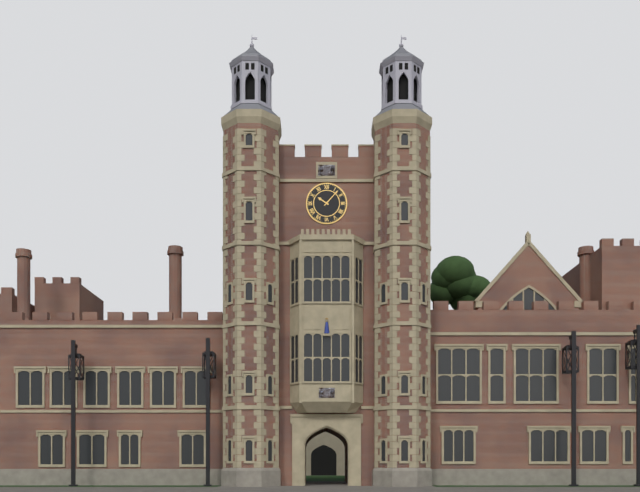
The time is 10,07
